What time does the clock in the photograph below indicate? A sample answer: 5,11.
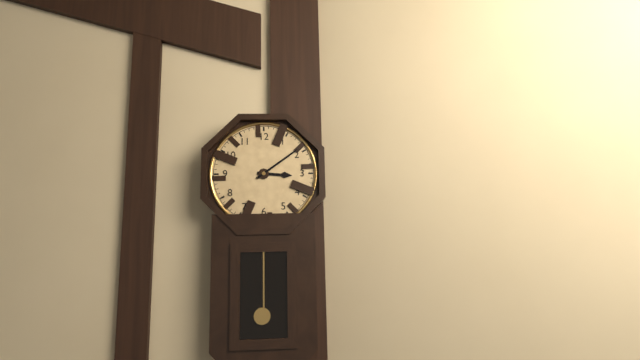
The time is 3,09
